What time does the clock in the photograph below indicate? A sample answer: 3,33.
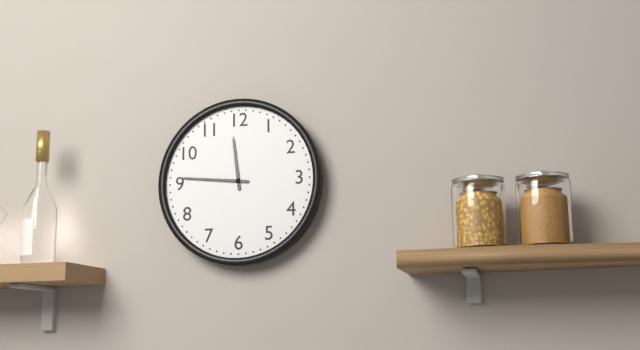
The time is 11,46
